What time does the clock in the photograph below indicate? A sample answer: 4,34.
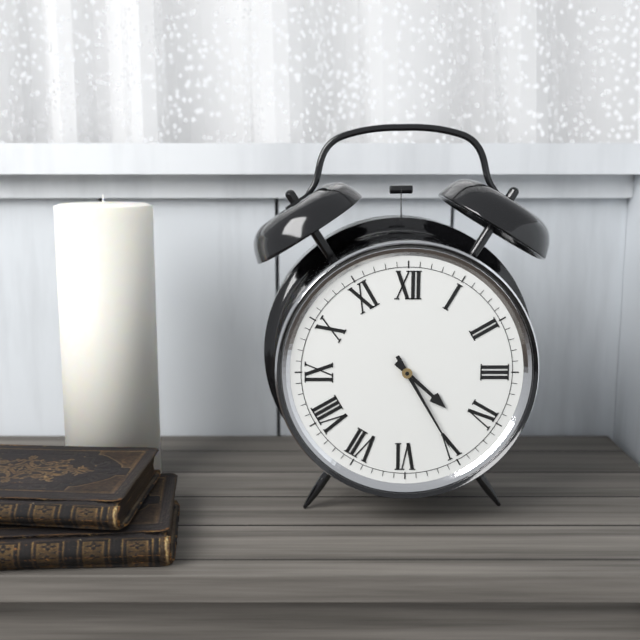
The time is 4,25
